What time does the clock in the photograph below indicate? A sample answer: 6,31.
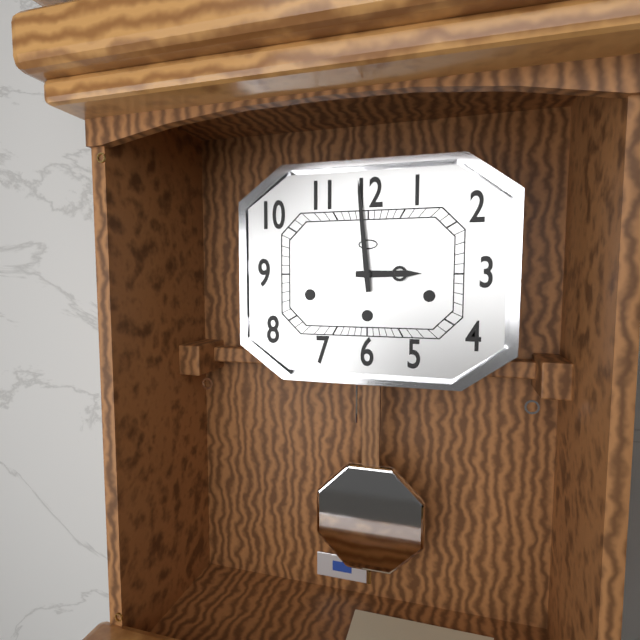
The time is 2,59
